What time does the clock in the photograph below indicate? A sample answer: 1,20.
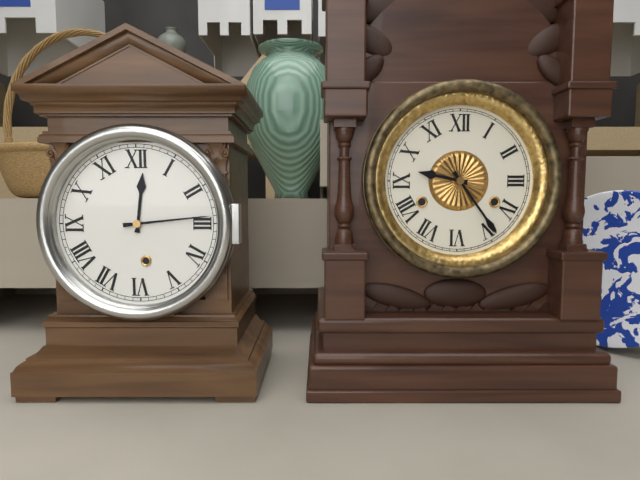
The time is 12,14
